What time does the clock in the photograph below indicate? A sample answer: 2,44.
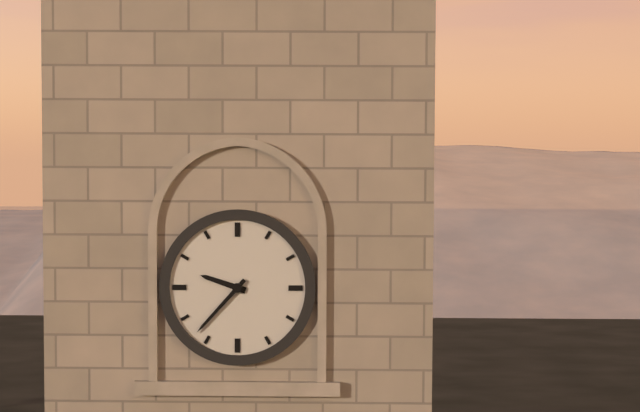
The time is 9,37
